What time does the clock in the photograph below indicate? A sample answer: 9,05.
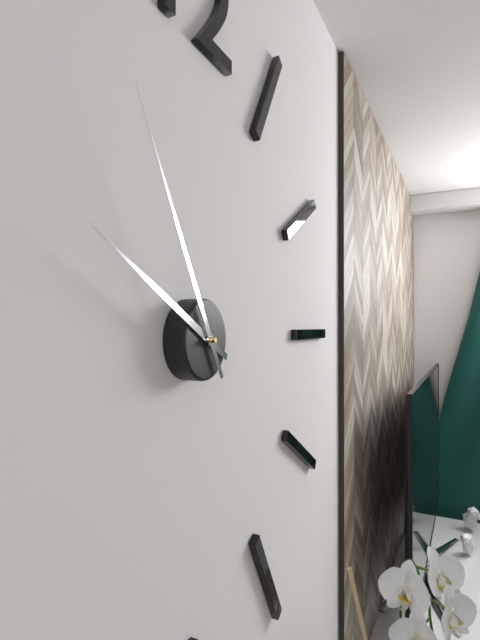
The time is 9,55
